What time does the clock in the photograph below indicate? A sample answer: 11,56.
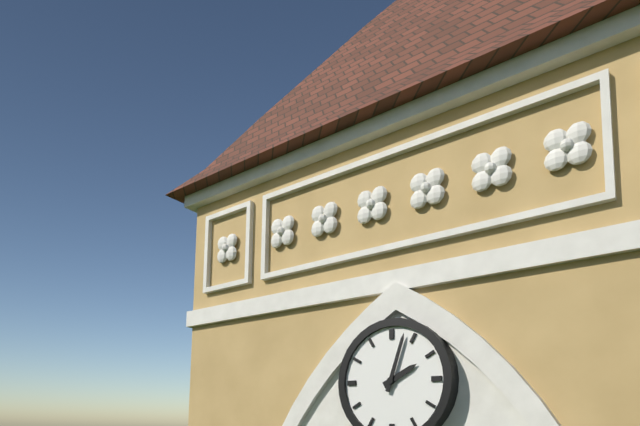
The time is 2,03
